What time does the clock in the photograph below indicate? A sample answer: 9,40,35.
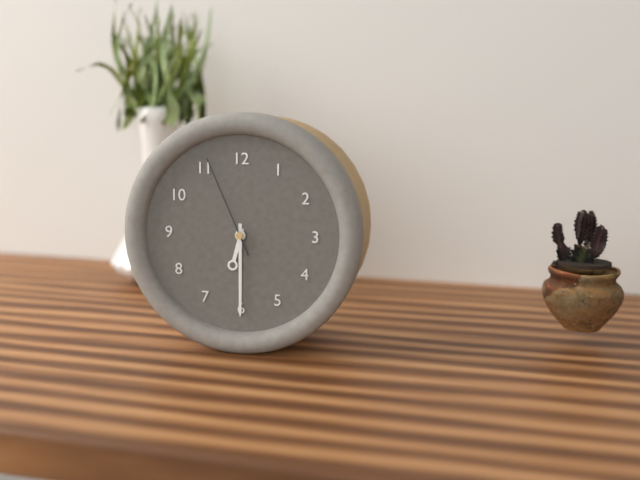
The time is 6,30,56
